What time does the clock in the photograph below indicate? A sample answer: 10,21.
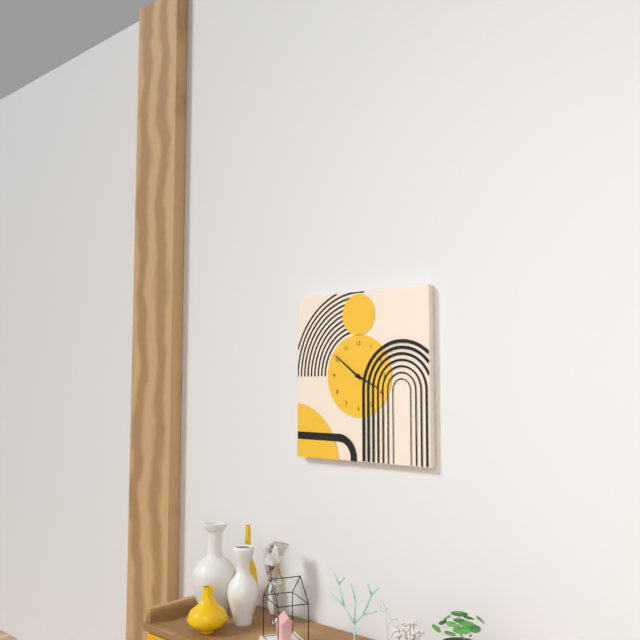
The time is 3,51
